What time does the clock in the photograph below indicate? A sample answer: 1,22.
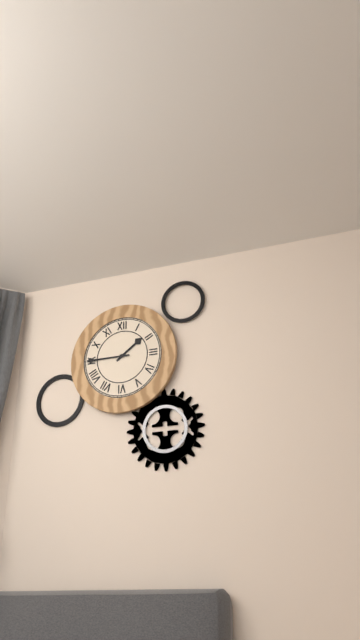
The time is 1,45
